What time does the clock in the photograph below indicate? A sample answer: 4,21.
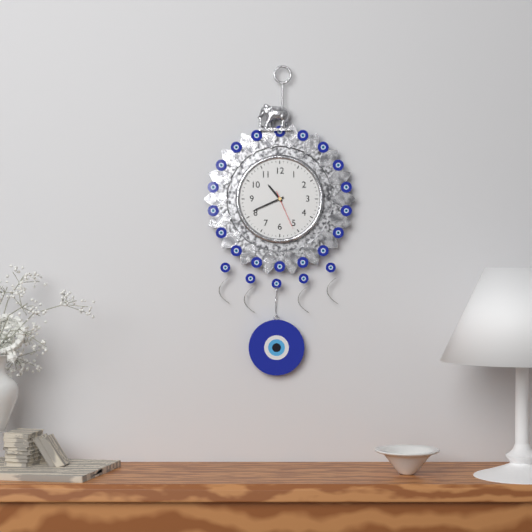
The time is 10,41
